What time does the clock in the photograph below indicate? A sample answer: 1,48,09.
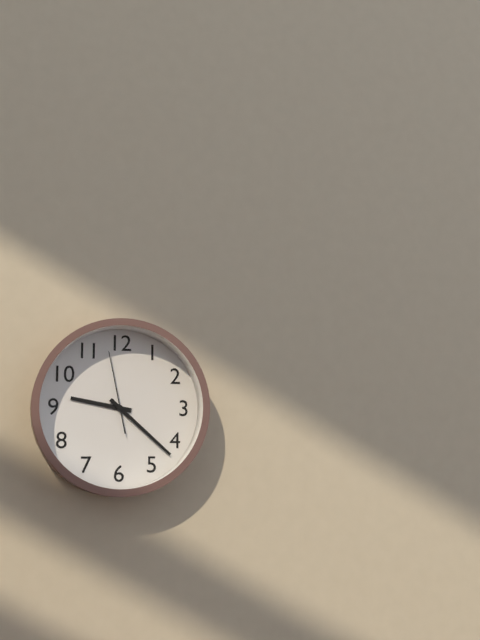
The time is 9,22,58
